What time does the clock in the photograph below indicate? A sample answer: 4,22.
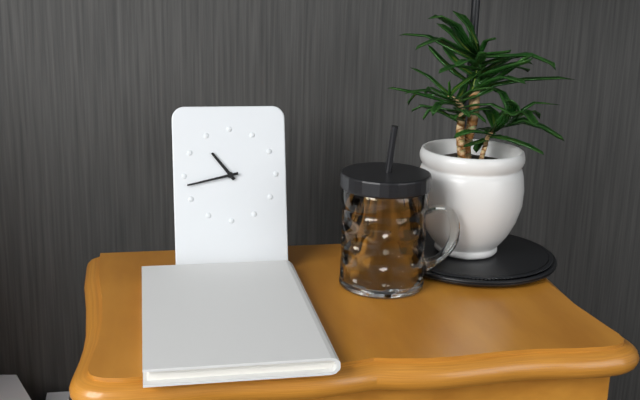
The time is 10,43
